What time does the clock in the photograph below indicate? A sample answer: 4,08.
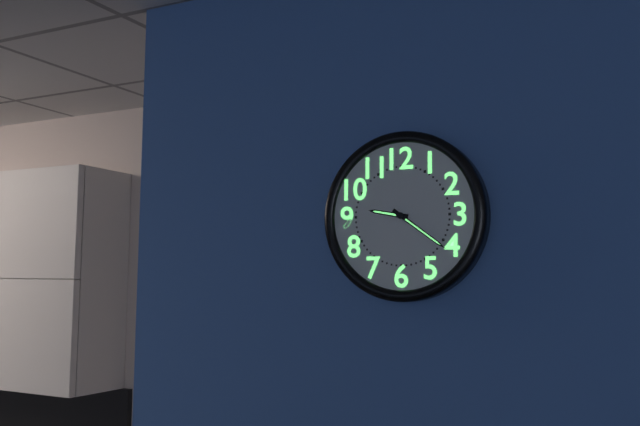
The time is 9,21
